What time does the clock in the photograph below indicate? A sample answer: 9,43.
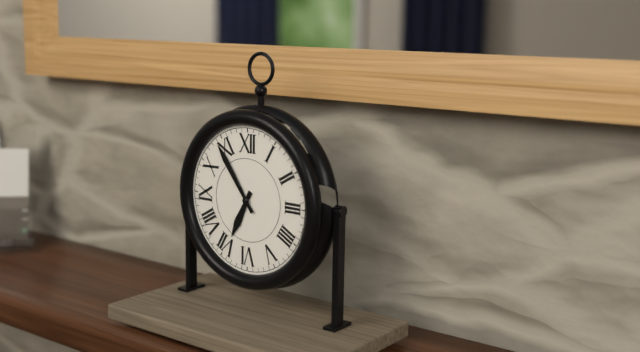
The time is 6,54
